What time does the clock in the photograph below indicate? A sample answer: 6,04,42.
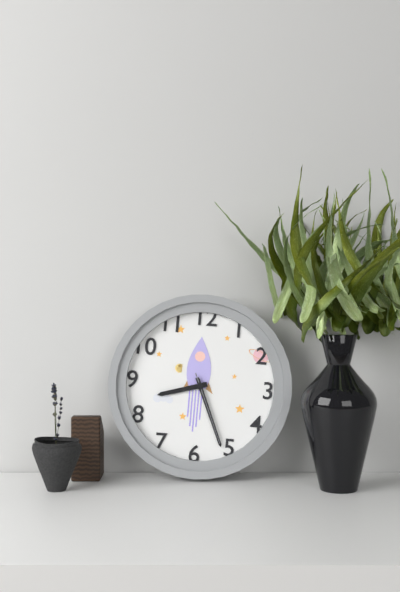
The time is 8,26,26
